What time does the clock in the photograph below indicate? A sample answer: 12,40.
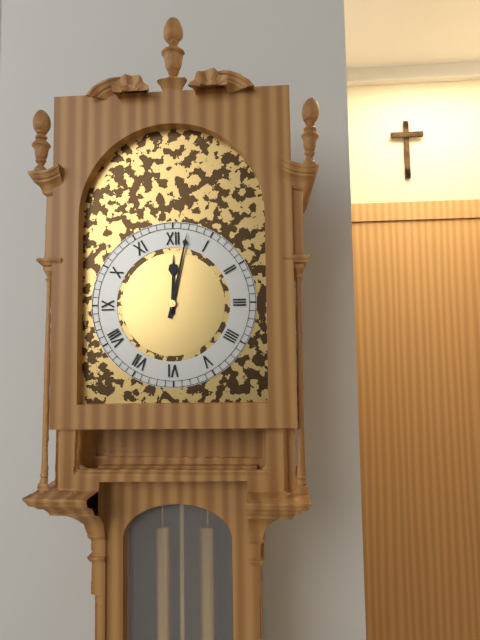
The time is 12,02
